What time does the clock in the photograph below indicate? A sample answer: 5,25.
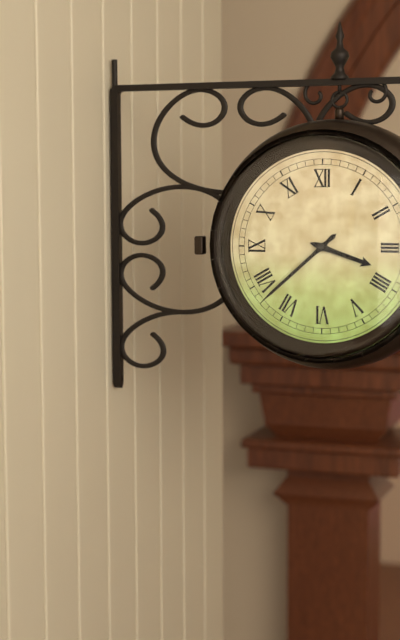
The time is 3,38
